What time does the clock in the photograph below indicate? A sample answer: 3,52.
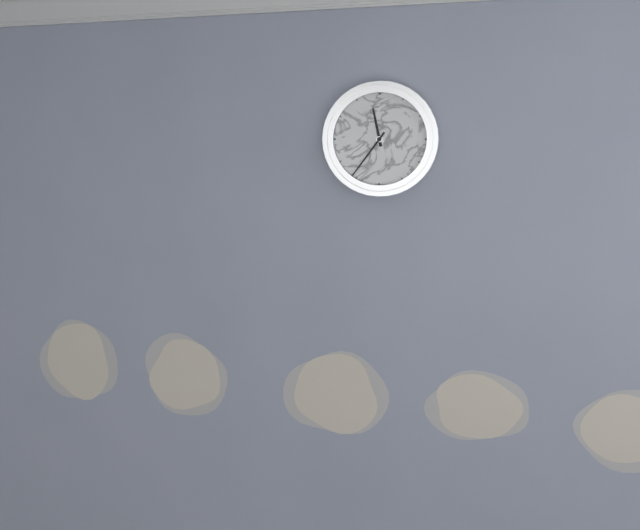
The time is 11,36
